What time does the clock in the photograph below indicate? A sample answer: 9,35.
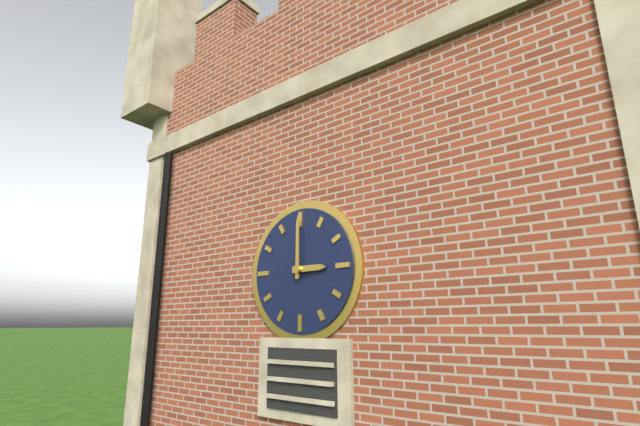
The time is 3,00
